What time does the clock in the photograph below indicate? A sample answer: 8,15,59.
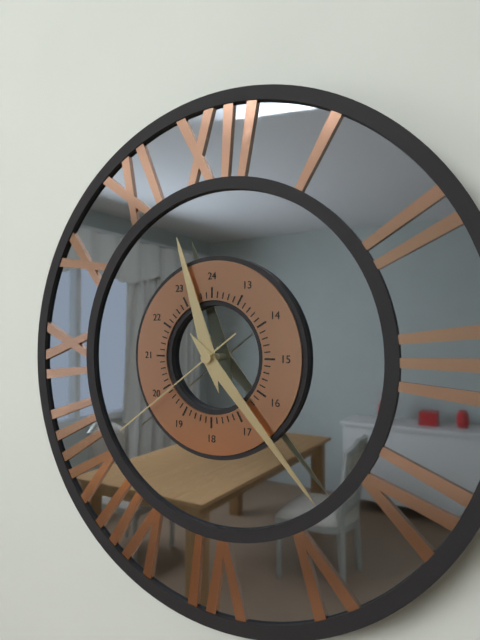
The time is 11,23,39
